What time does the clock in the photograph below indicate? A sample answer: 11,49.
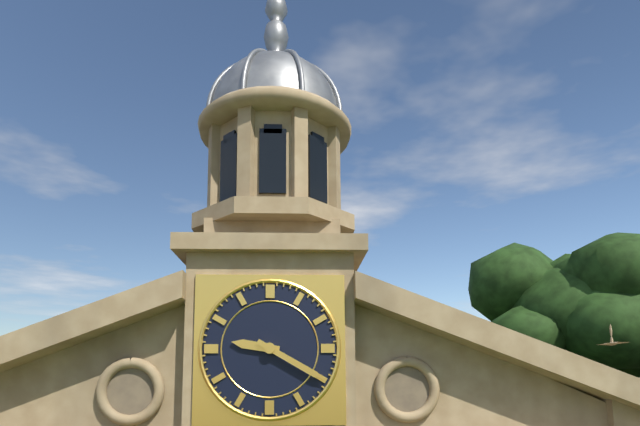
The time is 9,20
